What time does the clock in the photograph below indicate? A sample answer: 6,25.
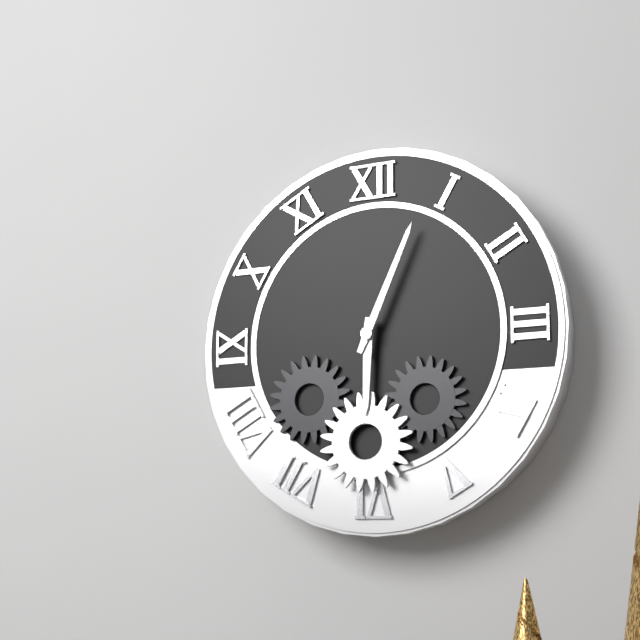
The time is 6,04
